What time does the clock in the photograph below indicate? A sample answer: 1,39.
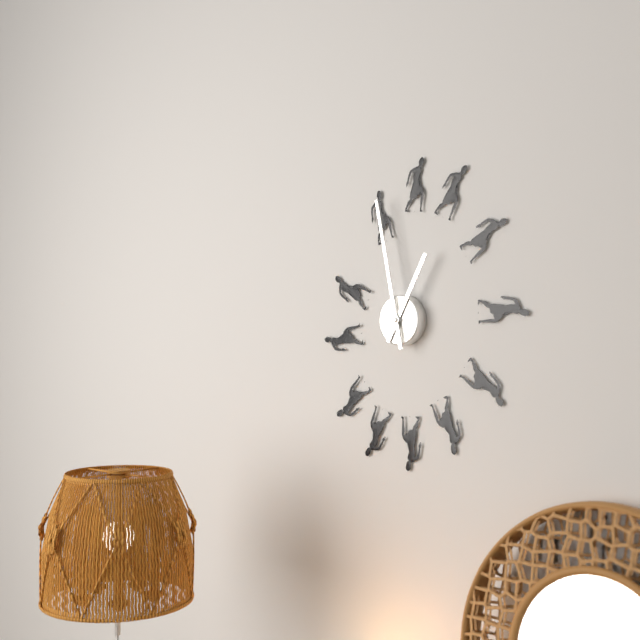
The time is 12,58
